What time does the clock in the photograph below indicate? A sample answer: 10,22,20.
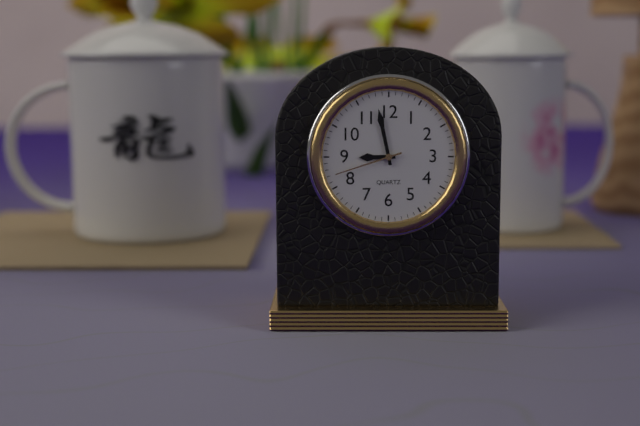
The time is 8,58,42
